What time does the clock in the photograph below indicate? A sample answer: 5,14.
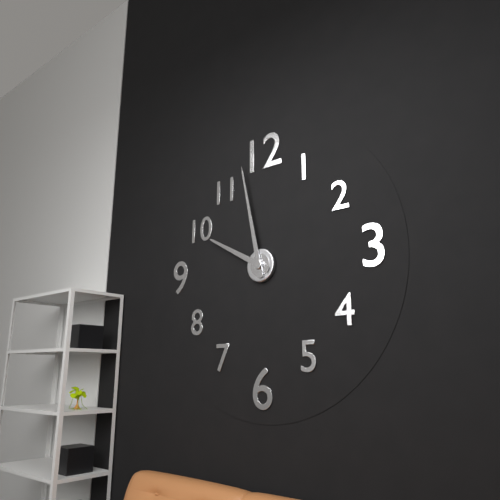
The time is 9,58
